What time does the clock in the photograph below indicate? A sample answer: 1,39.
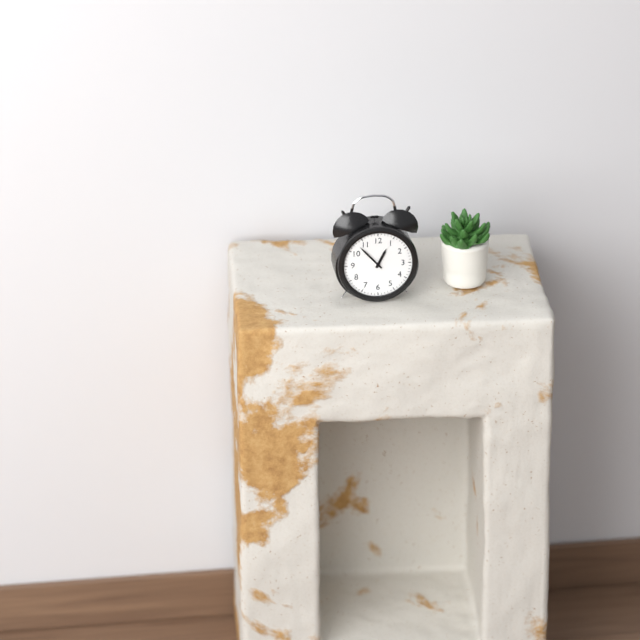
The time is 12,53
